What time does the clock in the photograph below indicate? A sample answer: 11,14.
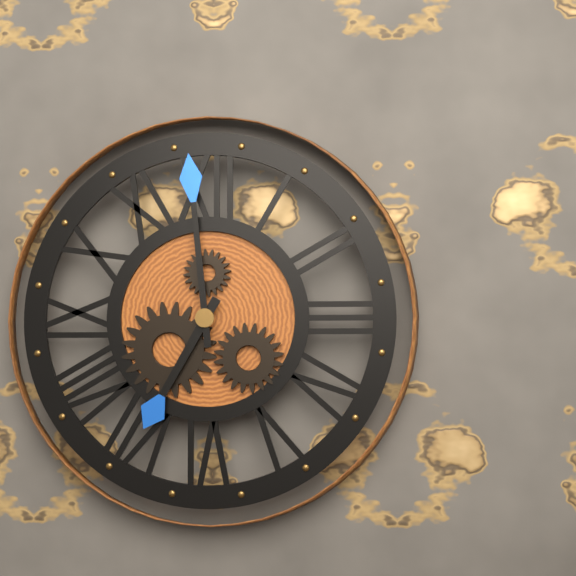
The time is 6,59
